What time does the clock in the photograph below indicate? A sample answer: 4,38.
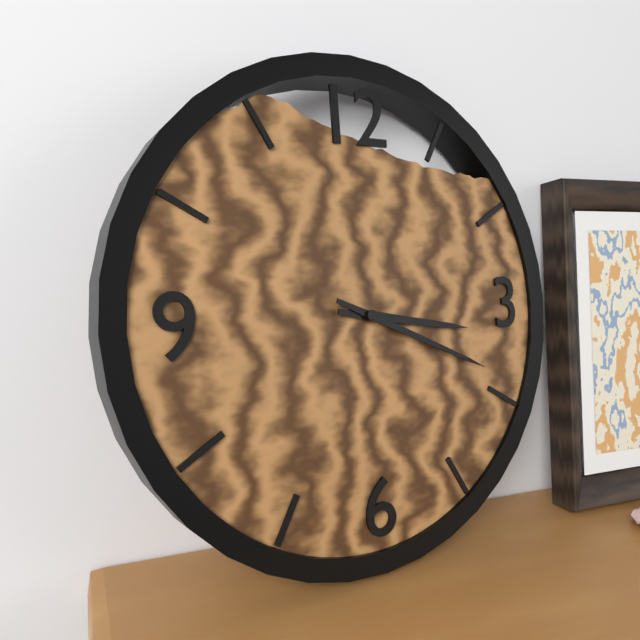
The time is 3,19
